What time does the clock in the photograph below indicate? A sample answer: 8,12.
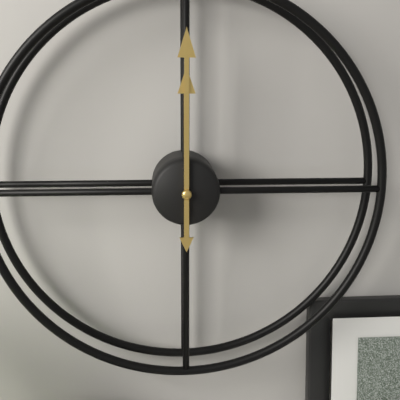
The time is 12,00
